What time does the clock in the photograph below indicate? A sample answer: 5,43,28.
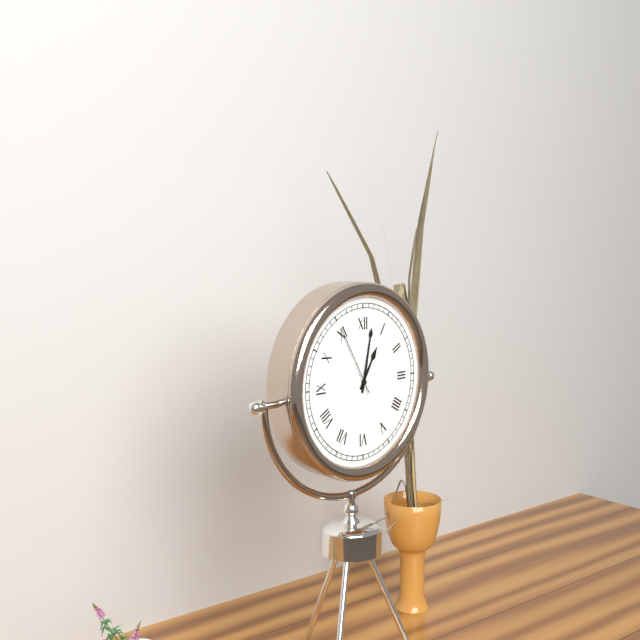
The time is 1,02,55
